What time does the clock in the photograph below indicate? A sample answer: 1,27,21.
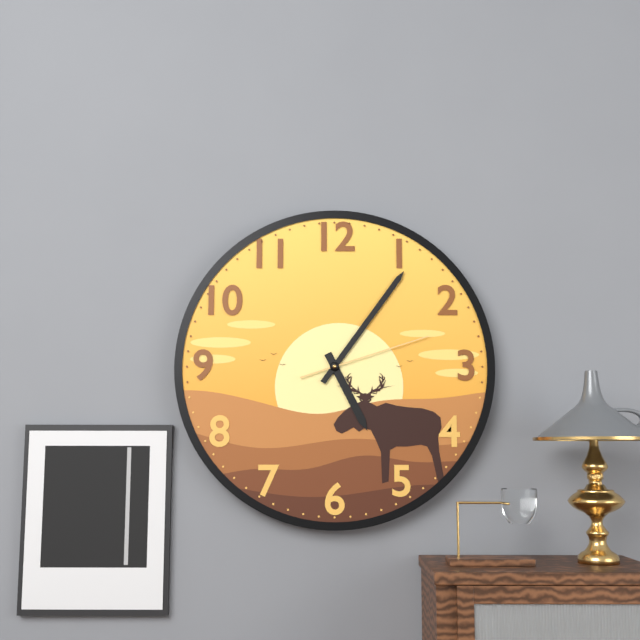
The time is 5,06,12
